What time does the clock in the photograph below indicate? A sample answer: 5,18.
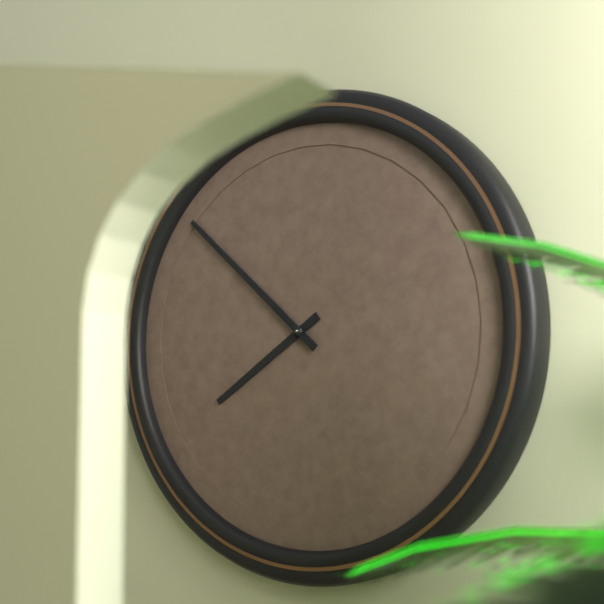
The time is 7,52
